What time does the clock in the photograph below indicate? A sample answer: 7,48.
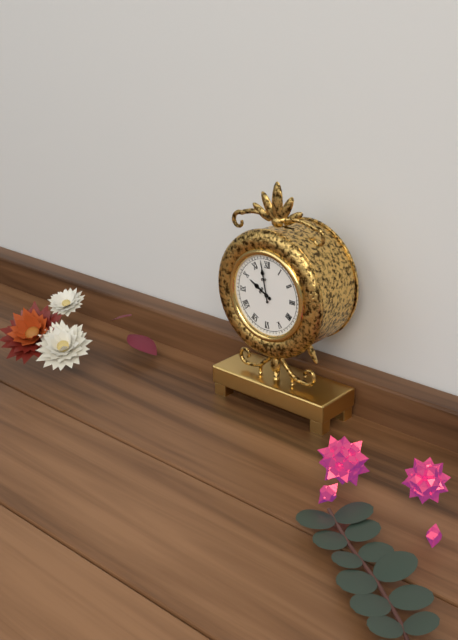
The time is 9,58
